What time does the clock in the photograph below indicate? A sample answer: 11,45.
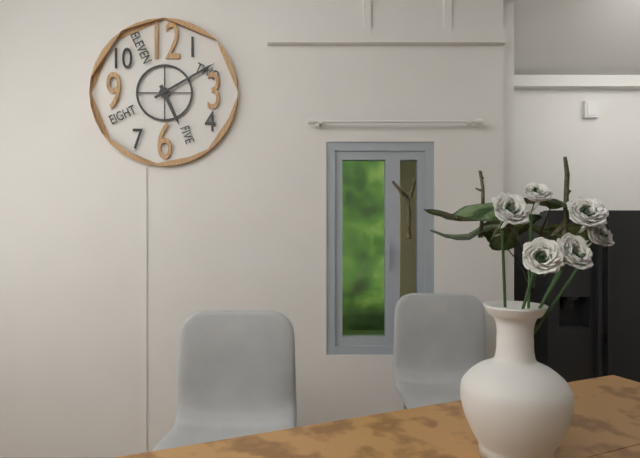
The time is 5,10
